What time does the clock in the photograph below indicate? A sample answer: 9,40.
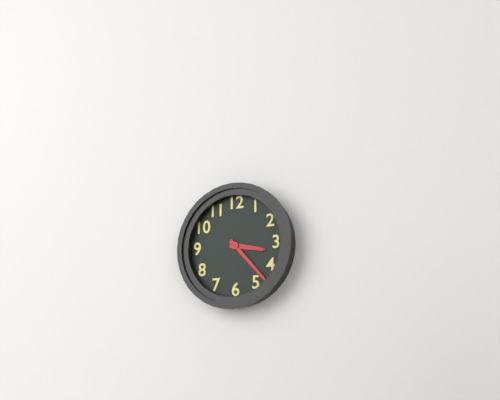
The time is 3,23
